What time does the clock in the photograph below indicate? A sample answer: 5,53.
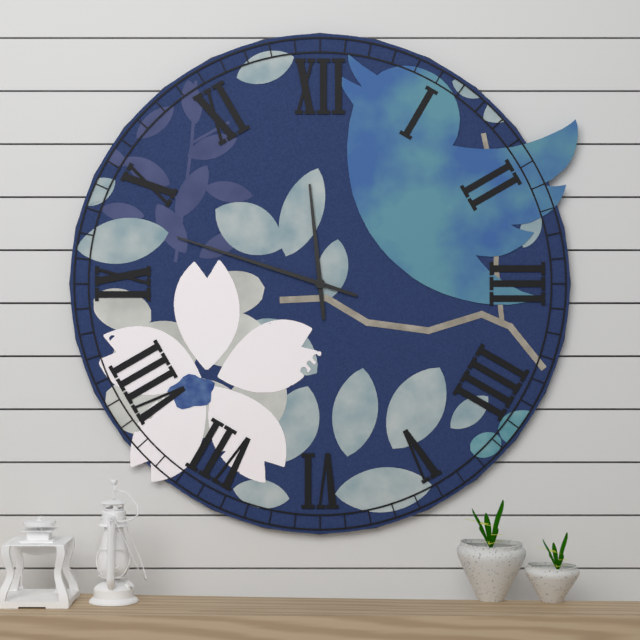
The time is 11,48
